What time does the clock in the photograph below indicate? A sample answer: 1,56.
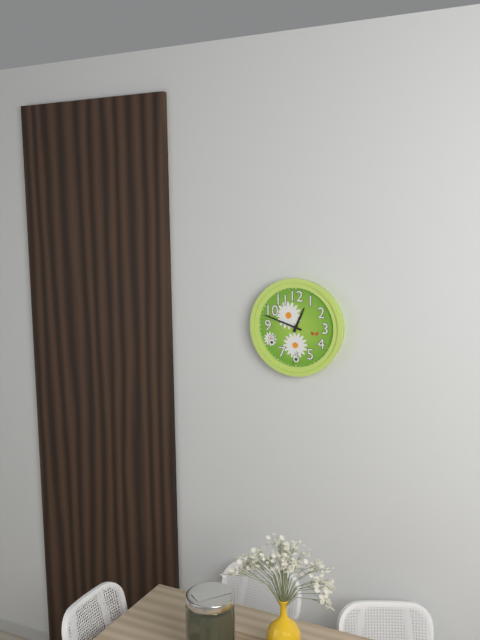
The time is 12,48
